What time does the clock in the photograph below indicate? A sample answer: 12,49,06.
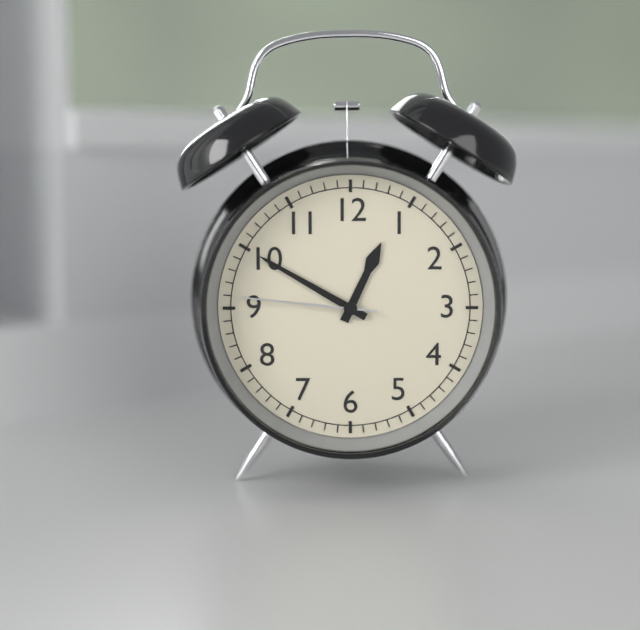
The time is 12,50,46
